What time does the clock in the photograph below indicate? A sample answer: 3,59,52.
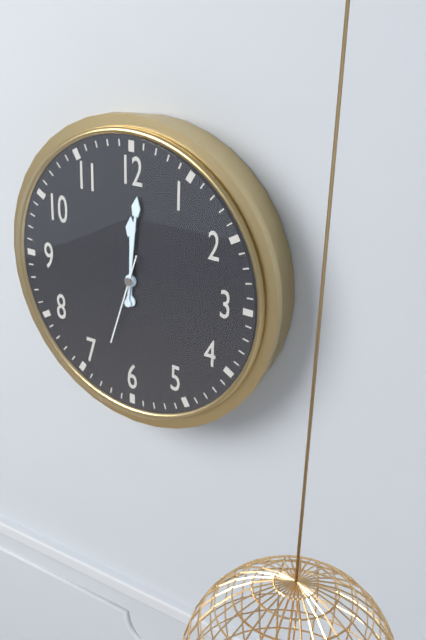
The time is 12,01,33
